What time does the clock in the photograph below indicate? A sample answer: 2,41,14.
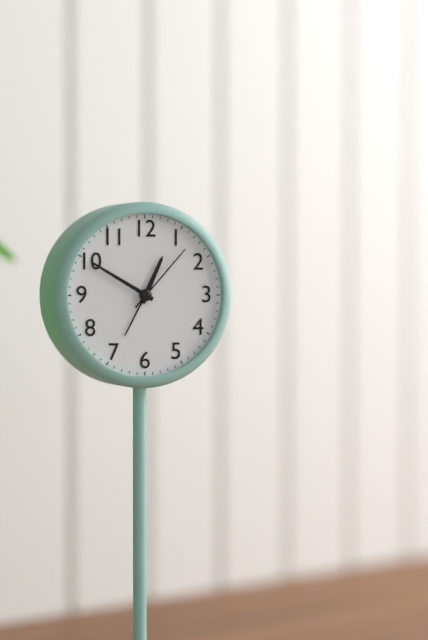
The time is 12,50,07
